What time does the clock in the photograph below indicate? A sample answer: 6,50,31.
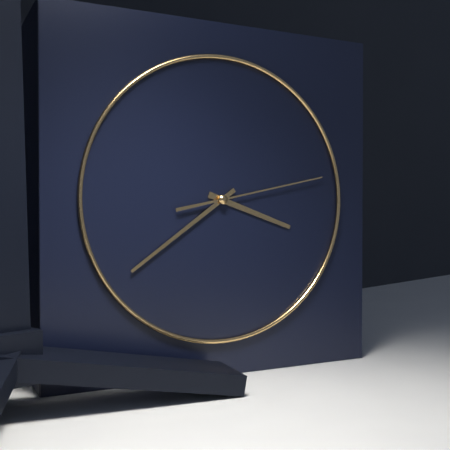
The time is 3,39,13
